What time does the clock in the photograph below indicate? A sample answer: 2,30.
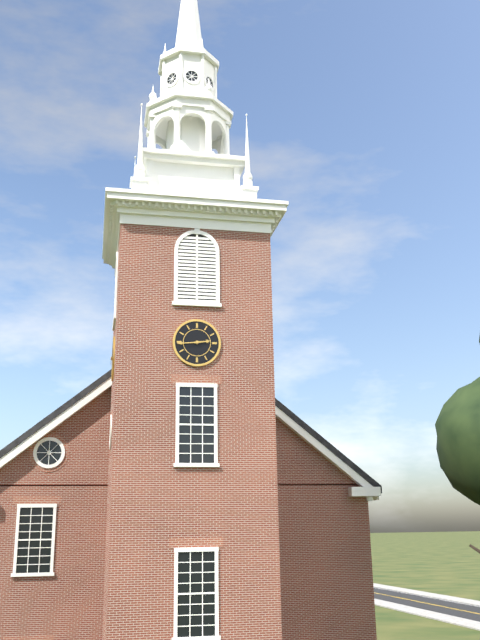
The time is 2,44
